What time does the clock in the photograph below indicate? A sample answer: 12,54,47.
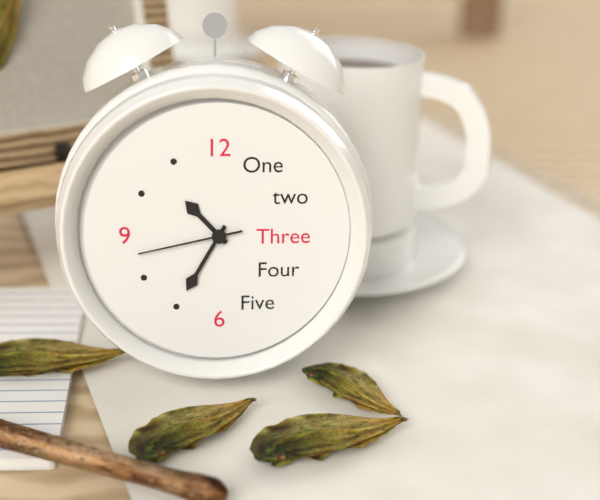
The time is 10,35,43
